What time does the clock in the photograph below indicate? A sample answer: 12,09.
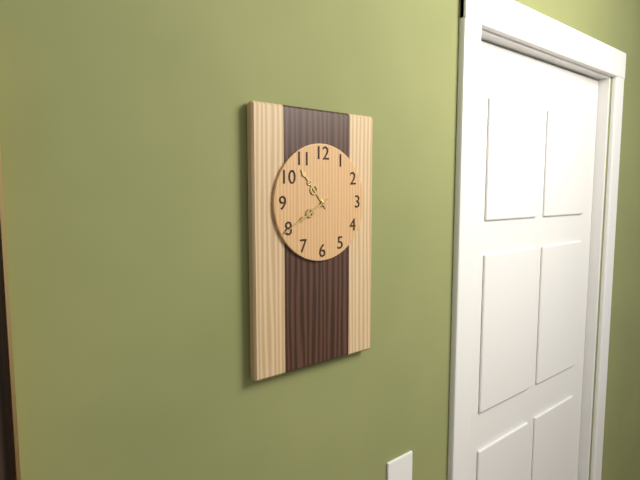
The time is 10,40
